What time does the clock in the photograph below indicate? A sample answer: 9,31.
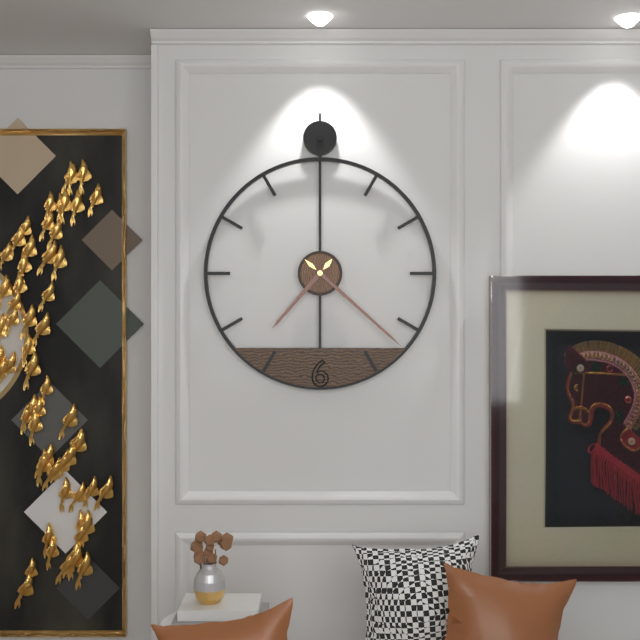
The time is 7,22
